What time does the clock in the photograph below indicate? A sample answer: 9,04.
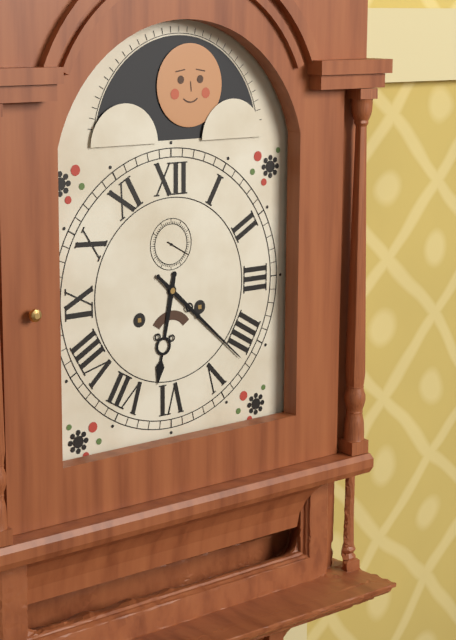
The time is 6,22
